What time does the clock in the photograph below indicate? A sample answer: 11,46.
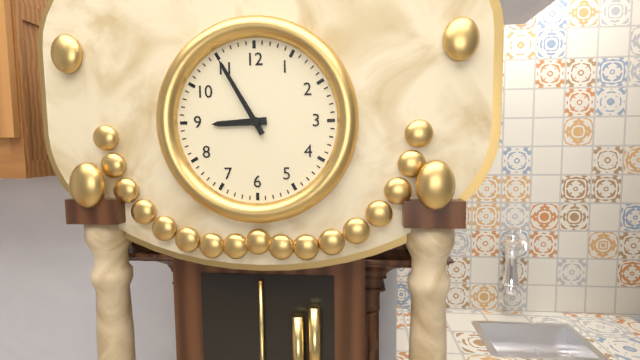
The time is 8,55
